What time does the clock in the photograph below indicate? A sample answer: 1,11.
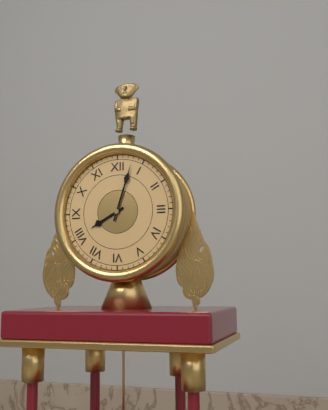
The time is 8,03
